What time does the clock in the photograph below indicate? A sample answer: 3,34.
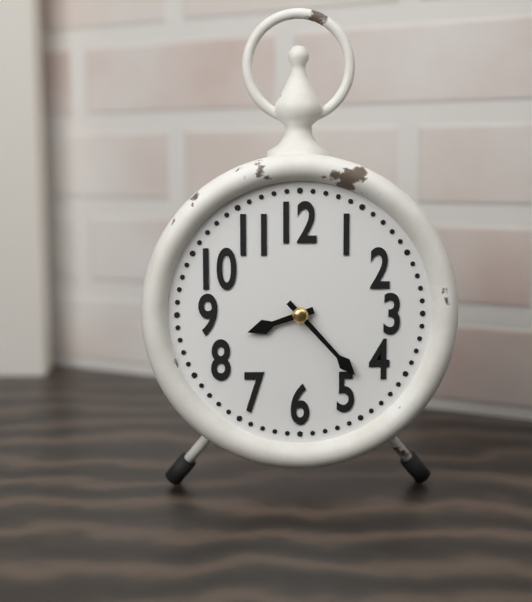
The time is 8,23
